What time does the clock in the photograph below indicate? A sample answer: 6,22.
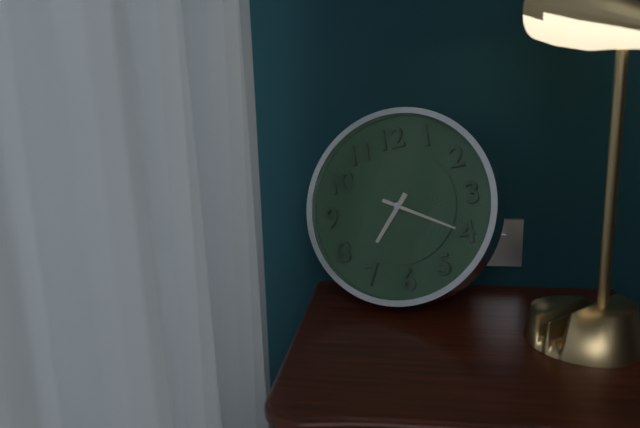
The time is 7,20
